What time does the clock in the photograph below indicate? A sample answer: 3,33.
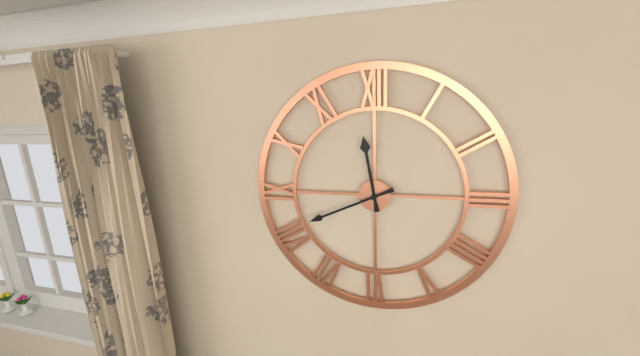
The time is 11,41
